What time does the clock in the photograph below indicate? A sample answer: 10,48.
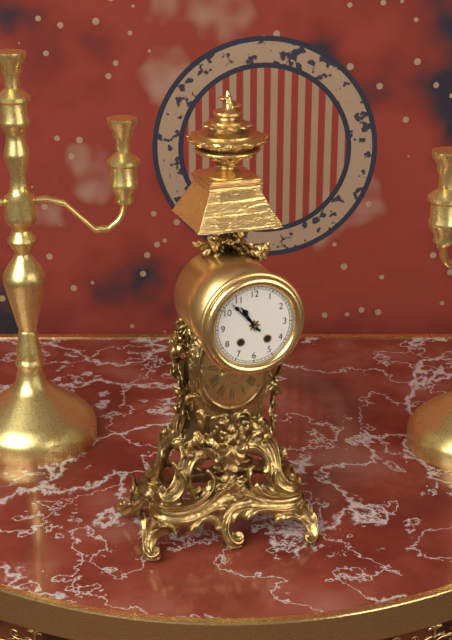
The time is 10,53
